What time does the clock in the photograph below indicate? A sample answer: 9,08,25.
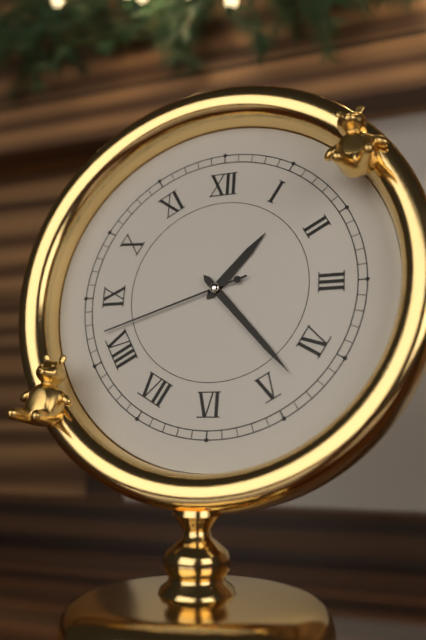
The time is 1,23,42
